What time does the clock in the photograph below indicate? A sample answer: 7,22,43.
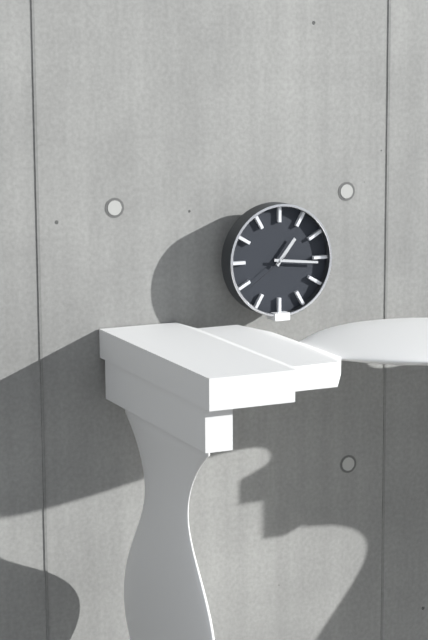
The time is 1,16,39
